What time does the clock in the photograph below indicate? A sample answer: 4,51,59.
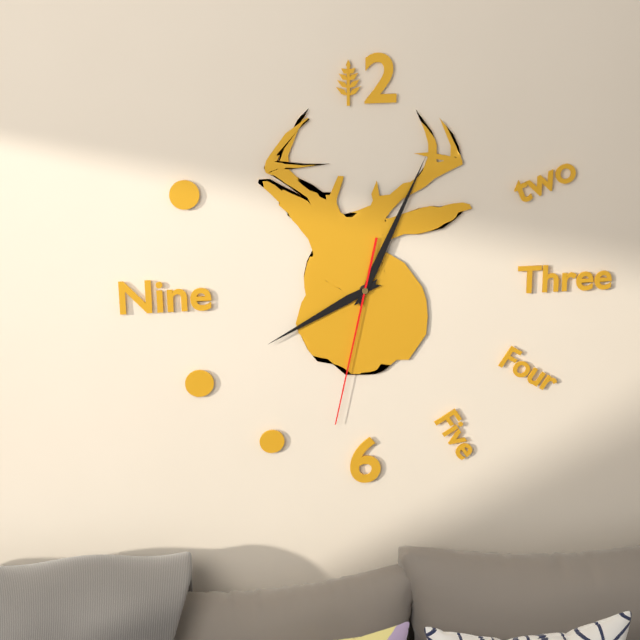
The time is 8,04,32
